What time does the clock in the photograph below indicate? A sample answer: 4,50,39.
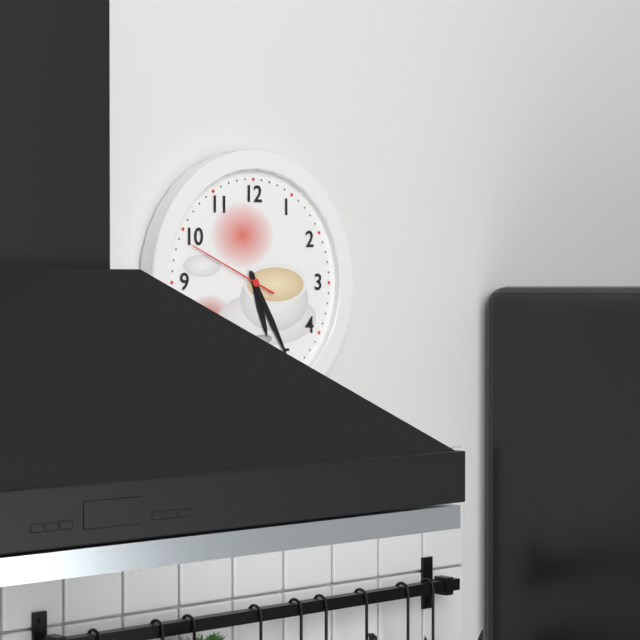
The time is 5,25,49
